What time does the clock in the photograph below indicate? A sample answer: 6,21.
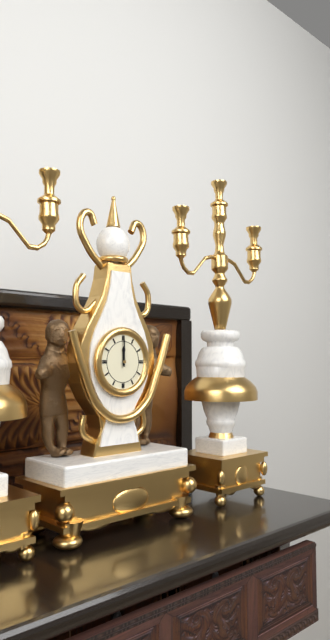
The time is 12,00
